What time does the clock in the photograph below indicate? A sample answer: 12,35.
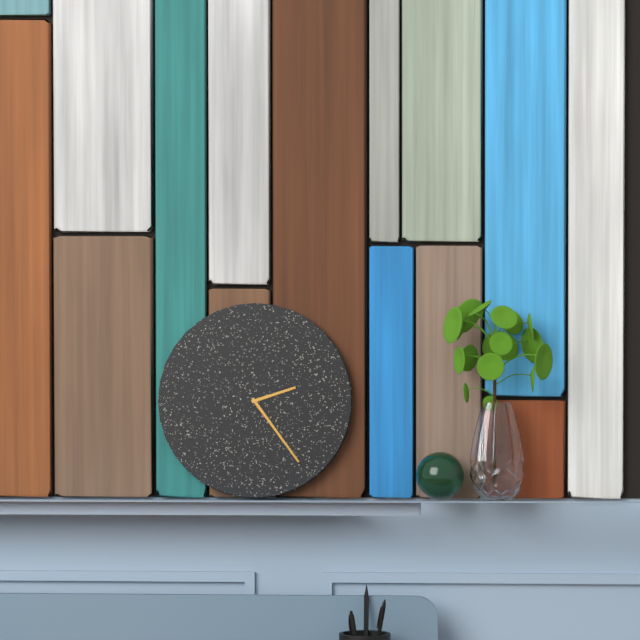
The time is 2,24
